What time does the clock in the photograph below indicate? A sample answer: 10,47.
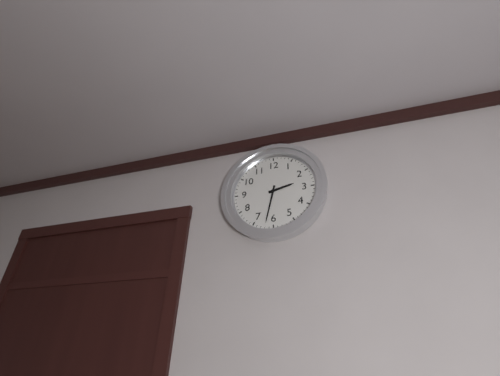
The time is 2,32
